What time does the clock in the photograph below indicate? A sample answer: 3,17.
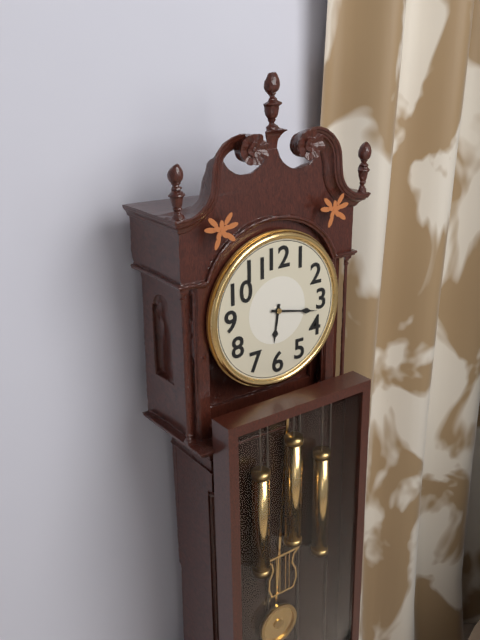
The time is 6,17
